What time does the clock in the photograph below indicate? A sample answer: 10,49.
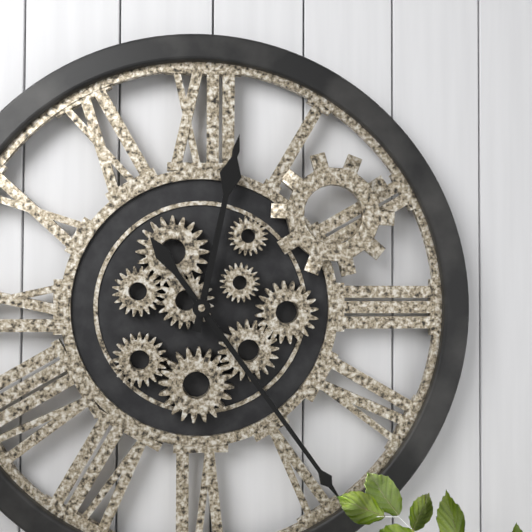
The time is 12,24
